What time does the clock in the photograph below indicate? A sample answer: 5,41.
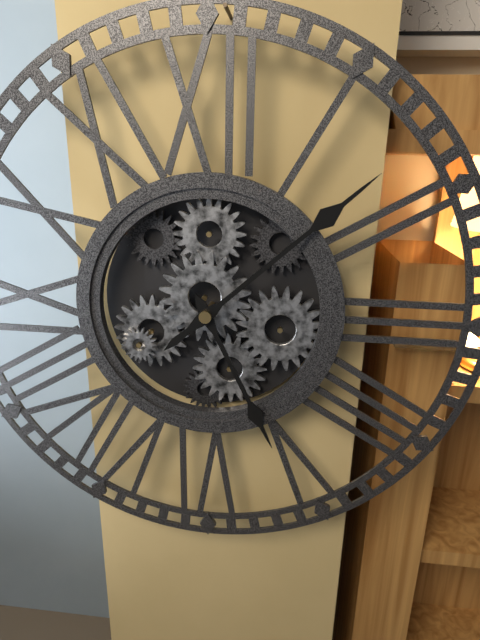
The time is 5,08
